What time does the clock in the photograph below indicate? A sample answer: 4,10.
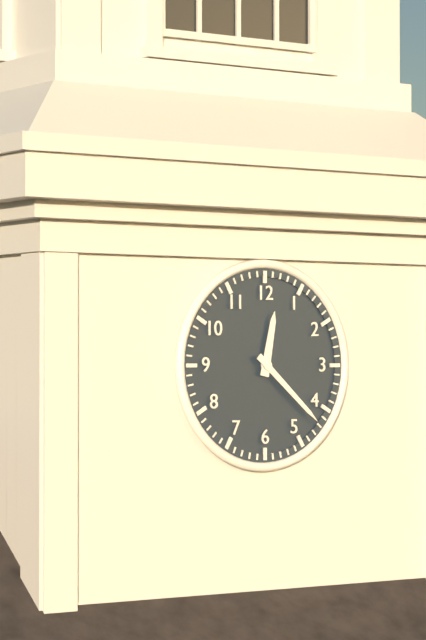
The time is 12,22
